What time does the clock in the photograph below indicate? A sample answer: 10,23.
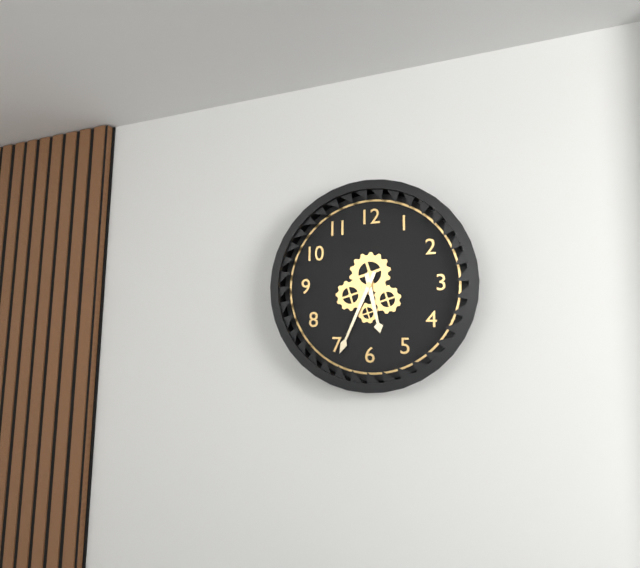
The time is 5,34
